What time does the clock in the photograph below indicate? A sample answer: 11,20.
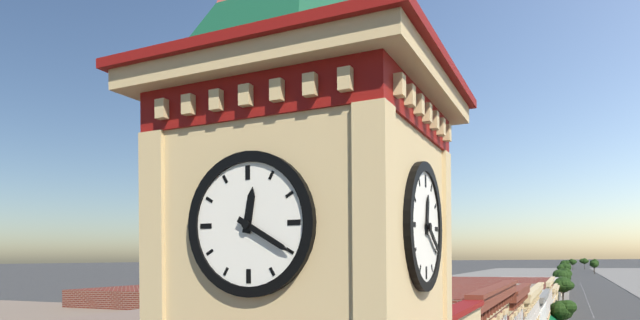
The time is 12,20
